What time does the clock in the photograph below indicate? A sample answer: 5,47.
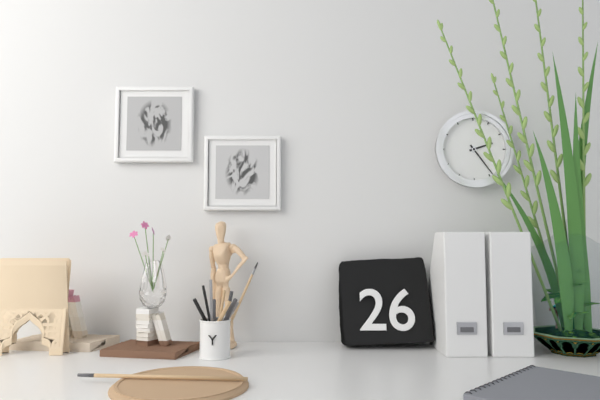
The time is 2,24
